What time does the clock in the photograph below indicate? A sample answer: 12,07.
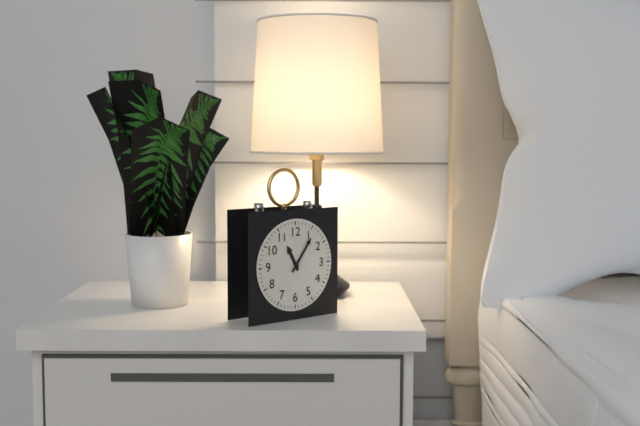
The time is 11,06
